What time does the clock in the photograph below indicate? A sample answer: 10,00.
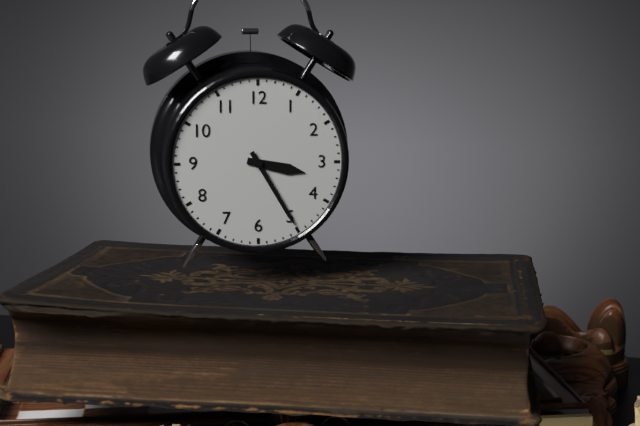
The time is 3,25
